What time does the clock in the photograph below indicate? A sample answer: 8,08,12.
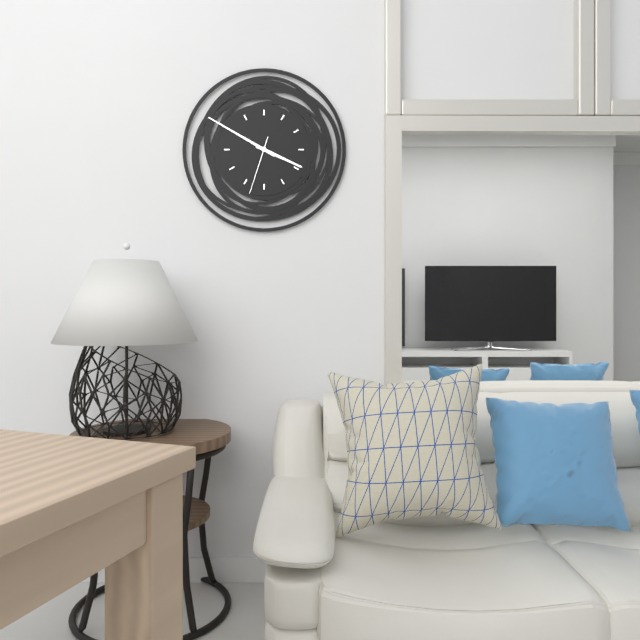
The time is 3,50,33
